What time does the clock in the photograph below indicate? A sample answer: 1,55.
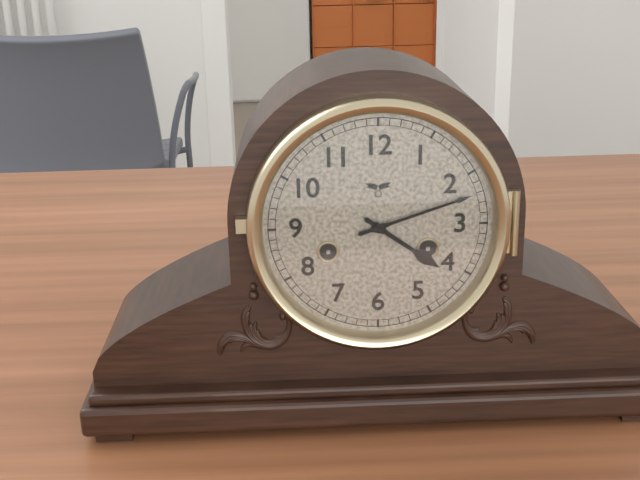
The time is 4,12
